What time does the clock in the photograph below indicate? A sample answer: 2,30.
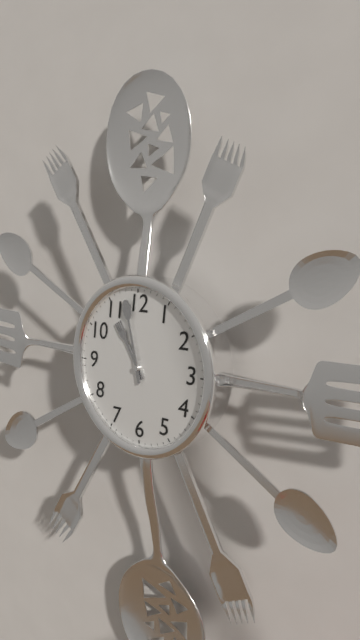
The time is 10,58
